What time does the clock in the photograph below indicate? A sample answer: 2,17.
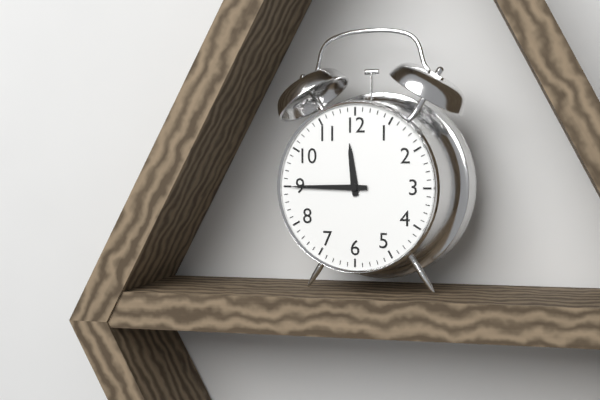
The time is 11,45
